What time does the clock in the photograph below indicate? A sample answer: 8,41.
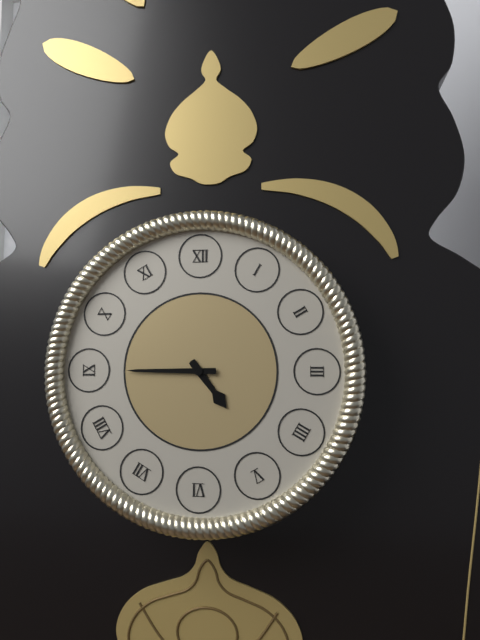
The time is 4,45
